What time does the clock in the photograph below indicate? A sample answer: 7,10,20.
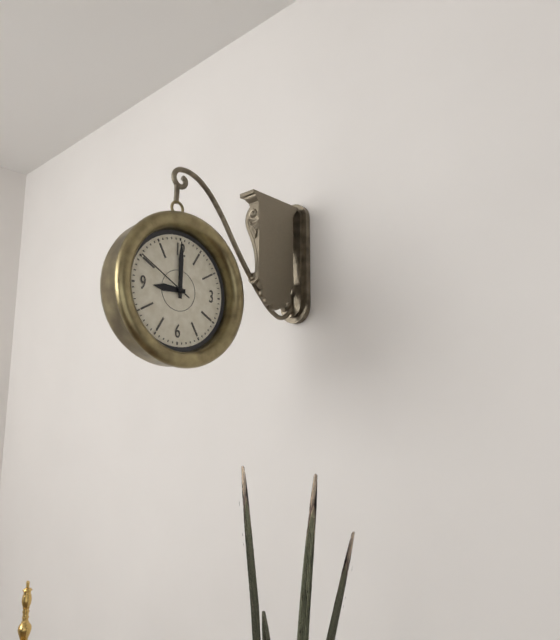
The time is 9,00,50
